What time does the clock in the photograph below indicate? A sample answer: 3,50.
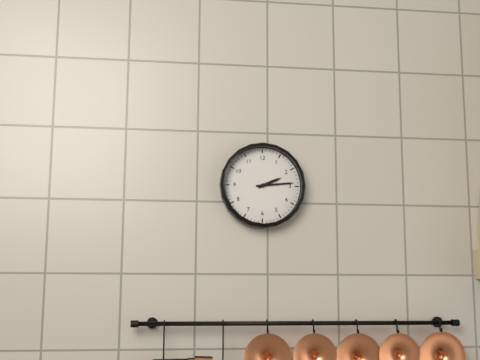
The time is 2,14
